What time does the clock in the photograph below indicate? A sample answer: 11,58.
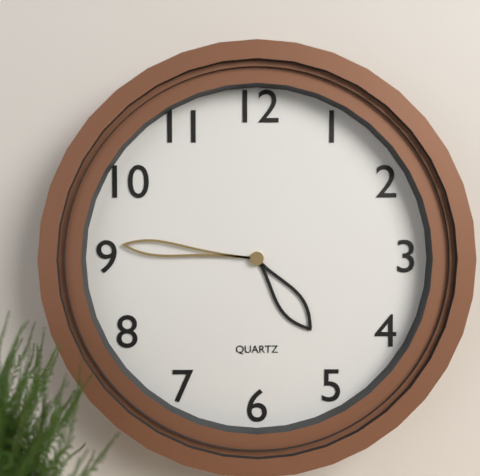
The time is 4,46
